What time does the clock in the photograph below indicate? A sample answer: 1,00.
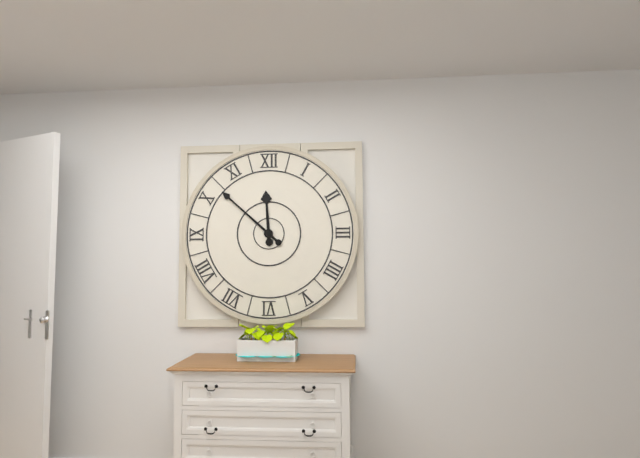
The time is 11,52
